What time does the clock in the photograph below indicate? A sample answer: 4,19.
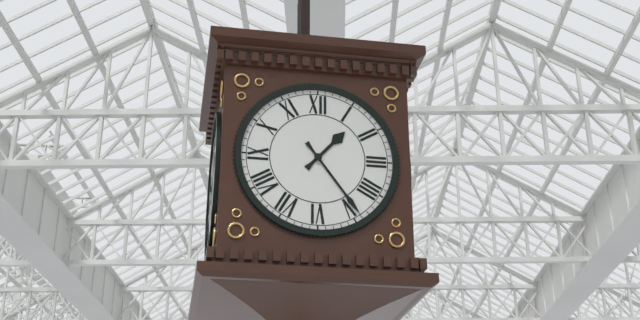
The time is 1,24
